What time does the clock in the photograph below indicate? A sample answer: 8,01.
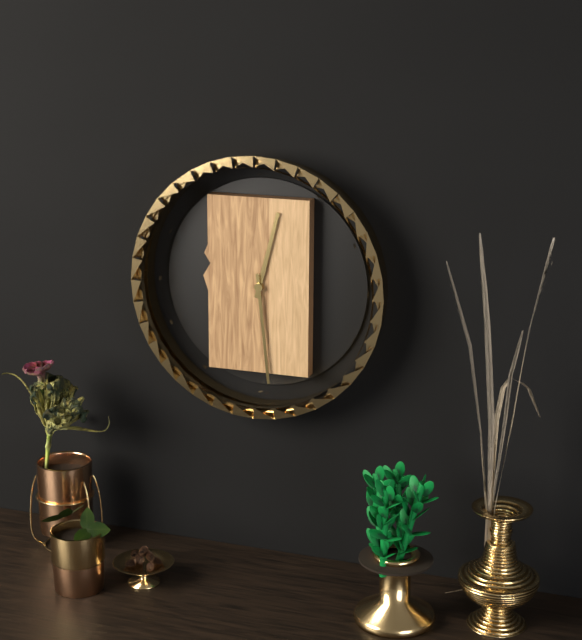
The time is 12,29
